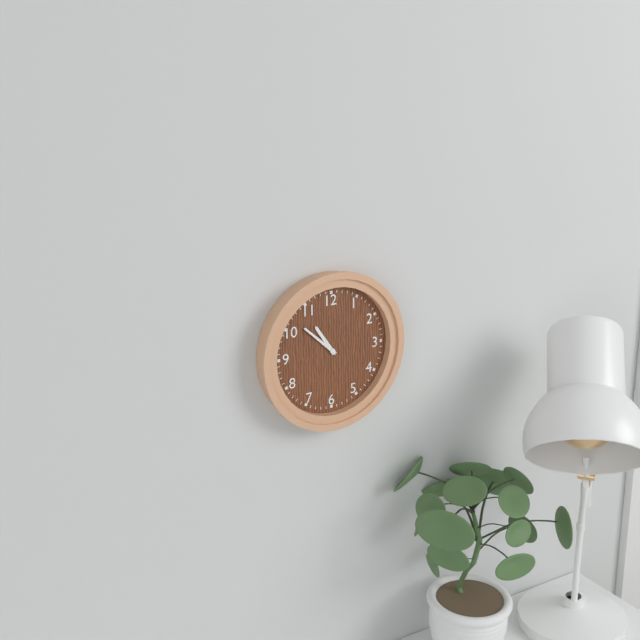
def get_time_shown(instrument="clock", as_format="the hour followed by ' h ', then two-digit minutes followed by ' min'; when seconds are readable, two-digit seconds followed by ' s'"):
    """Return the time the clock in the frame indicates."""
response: 10 h 52 min
